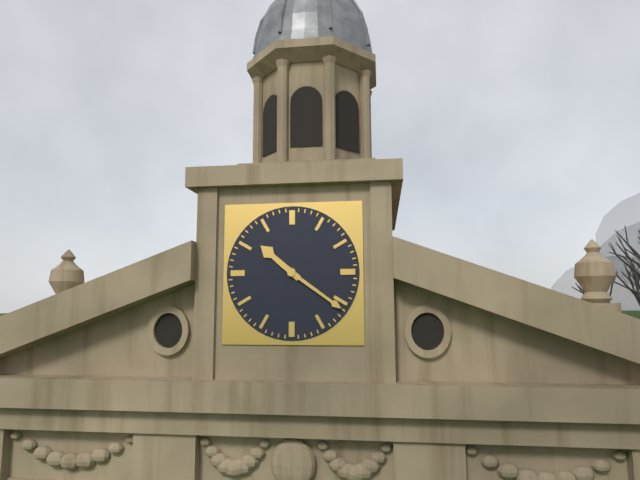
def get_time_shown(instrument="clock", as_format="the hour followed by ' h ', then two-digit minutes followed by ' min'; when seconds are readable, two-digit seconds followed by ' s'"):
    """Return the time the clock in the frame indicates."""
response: 10 h 21 min
